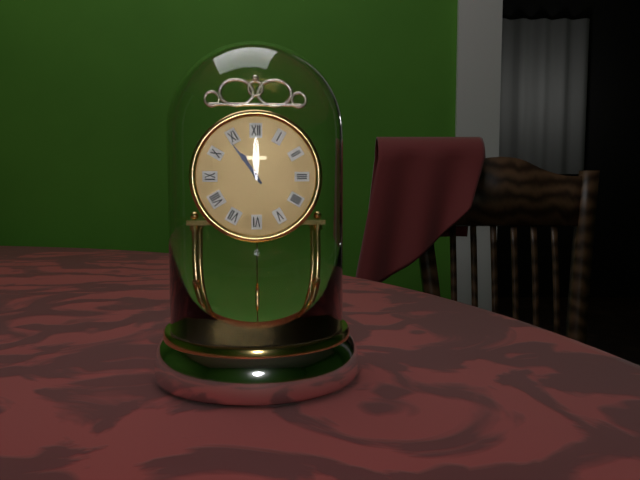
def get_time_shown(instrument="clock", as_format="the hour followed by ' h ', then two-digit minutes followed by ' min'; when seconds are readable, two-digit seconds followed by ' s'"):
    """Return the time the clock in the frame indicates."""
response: 10 h 54 min
